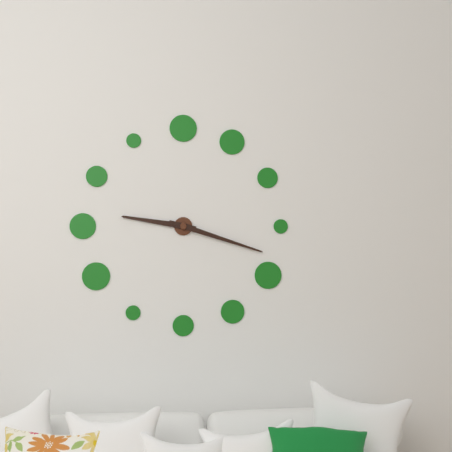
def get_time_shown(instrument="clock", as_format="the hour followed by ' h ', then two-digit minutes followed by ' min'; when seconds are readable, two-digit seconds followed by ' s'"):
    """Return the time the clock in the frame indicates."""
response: 9 h 18 min
